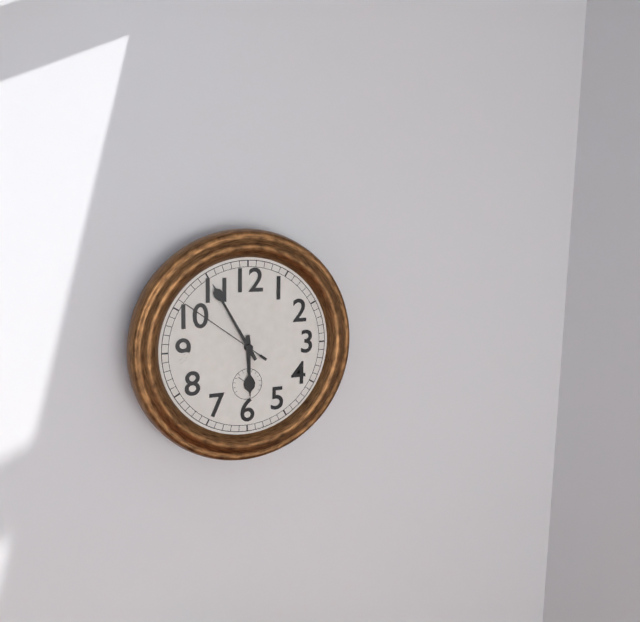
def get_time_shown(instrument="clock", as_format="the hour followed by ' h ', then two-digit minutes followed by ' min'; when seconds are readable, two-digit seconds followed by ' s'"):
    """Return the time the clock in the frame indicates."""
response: 5 h 55 min 51 s
